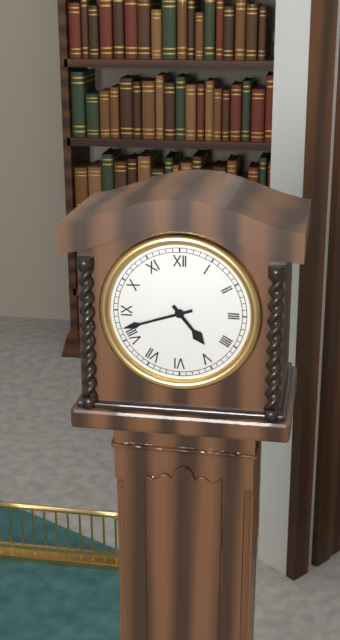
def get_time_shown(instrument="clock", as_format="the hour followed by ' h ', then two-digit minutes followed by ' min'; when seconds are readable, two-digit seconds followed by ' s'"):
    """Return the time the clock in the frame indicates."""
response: 4 h 42 min
